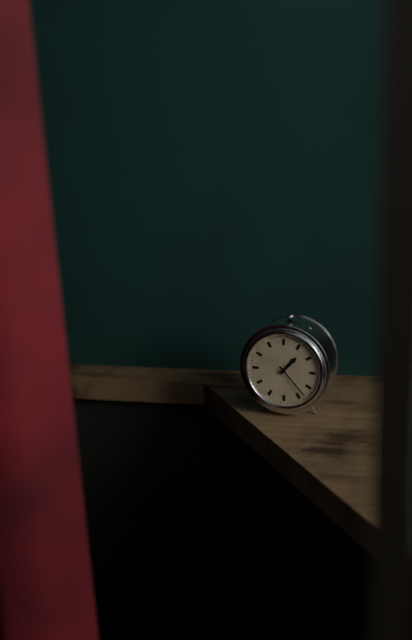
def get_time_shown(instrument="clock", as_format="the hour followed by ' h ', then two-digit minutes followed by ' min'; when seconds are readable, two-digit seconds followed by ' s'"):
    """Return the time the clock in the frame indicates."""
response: 1 h 23 min
